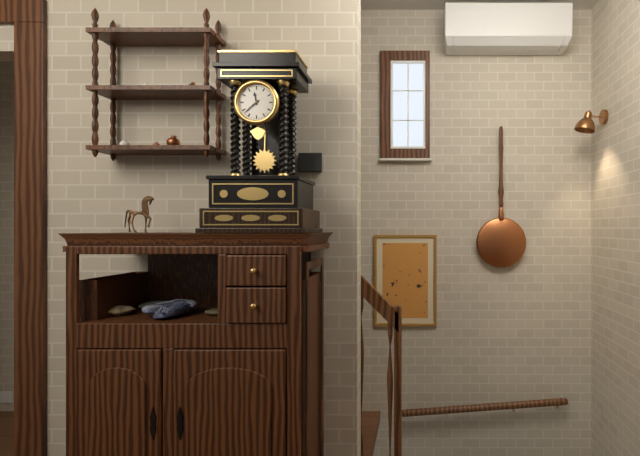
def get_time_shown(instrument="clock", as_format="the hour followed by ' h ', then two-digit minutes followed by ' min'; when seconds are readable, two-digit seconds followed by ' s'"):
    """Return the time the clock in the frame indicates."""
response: 11 h 38 min
